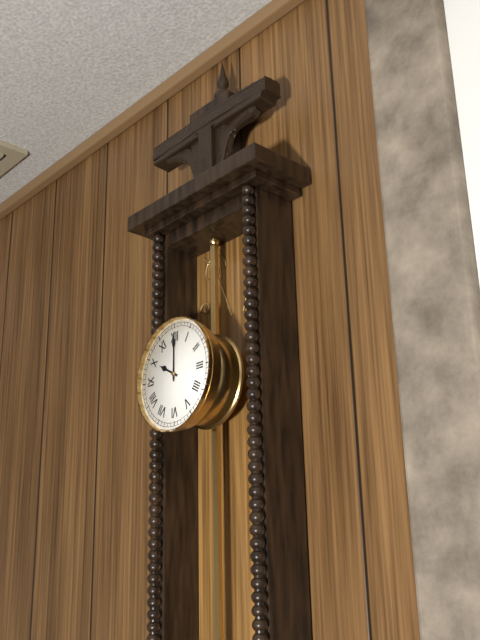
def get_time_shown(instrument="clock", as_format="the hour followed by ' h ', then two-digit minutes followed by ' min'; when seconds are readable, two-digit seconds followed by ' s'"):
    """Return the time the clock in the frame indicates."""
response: 10 h 00 min
